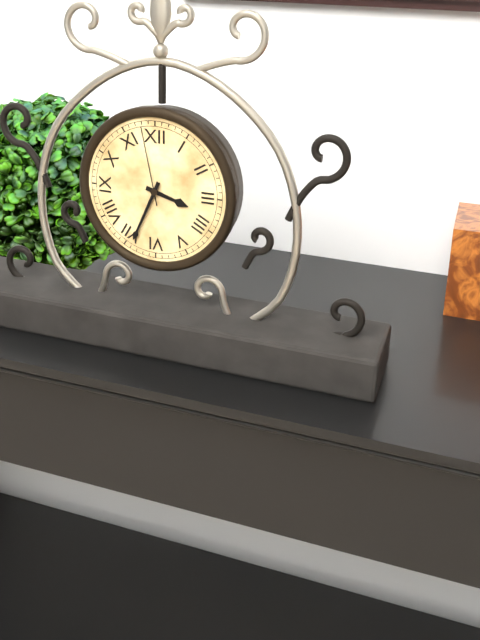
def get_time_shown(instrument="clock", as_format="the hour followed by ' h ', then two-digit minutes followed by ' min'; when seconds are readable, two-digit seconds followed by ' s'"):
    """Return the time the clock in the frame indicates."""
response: 3 h 34 min 58 s
